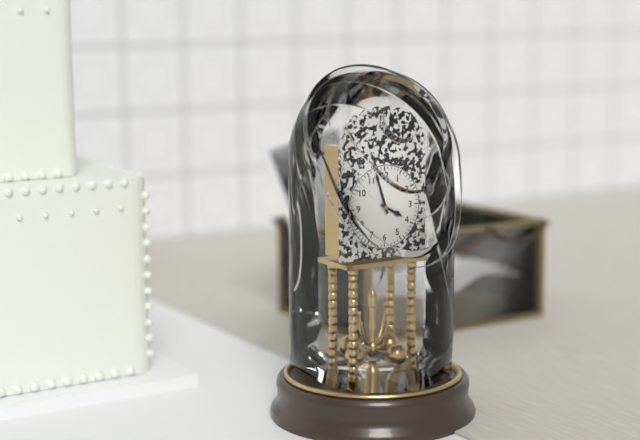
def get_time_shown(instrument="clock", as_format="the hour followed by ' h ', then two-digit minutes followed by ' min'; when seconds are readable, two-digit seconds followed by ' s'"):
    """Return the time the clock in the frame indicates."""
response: 3 h 57 min
